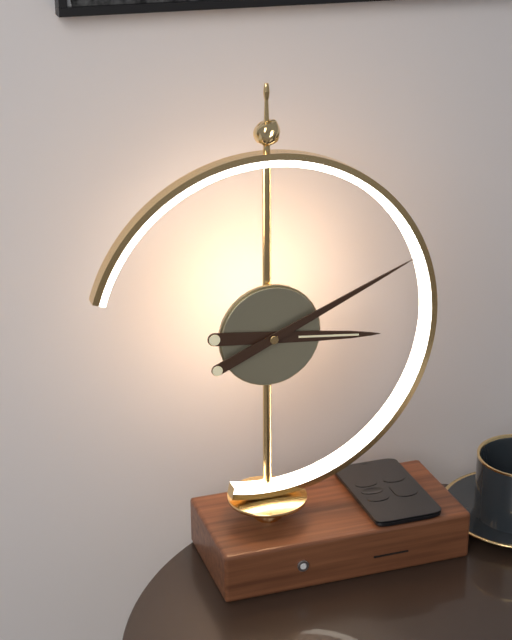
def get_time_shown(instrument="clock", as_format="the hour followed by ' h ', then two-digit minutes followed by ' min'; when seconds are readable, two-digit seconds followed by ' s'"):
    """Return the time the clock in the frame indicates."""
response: 3 h 11 min
